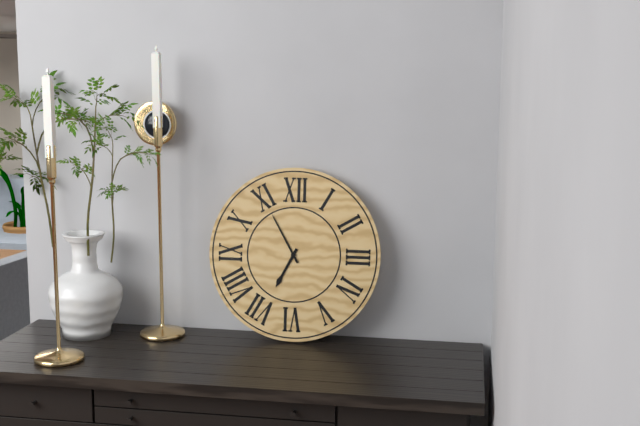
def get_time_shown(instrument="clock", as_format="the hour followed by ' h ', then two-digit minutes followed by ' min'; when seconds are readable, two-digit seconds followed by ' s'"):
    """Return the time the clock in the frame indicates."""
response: 6 h 55 min
